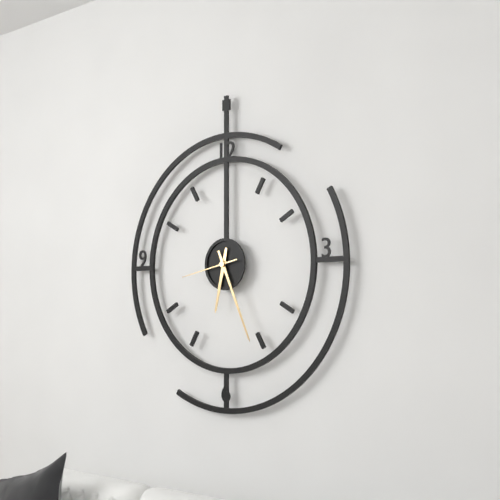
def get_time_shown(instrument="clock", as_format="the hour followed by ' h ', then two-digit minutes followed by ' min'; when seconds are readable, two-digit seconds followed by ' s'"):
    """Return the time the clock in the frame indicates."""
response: 6 h 26 min 43 s
